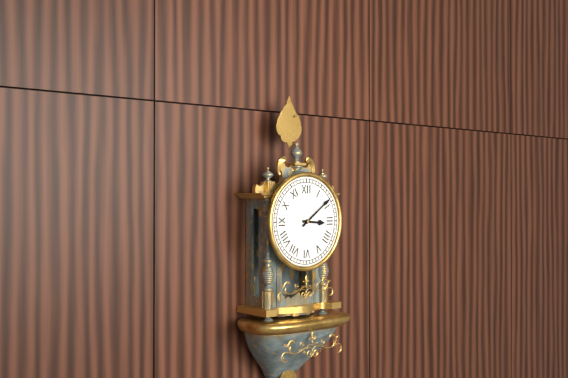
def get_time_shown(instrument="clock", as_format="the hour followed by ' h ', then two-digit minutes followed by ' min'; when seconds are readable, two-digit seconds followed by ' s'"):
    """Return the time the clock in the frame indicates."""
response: 3 h 09 min
